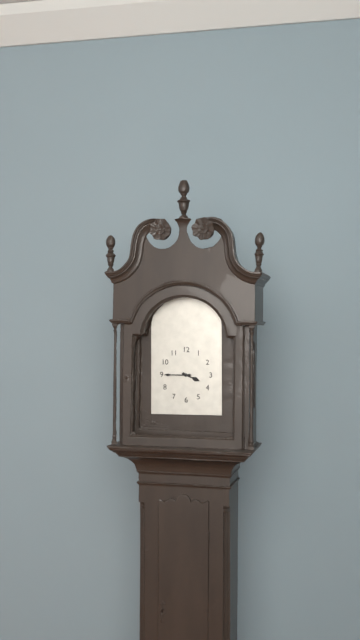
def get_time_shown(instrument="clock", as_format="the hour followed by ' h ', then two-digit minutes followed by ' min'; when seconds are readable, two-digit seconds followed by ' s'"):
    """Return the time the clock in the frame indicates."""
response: 3 h 45 min
